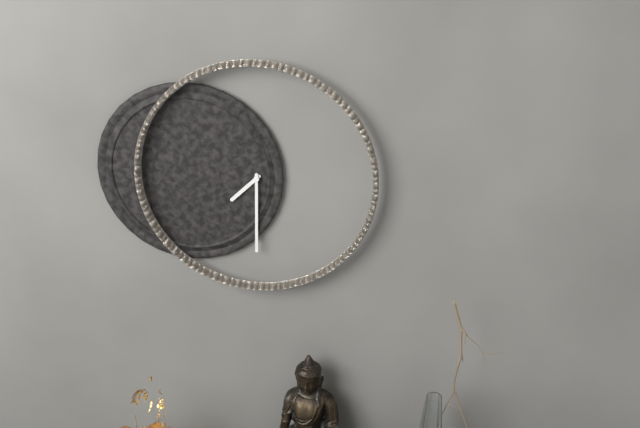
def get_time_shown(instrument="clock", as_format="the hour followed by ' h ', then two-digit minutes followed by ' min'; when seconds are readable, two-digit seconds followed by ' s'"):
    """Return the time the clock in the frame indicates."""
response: 7 h 30 min
